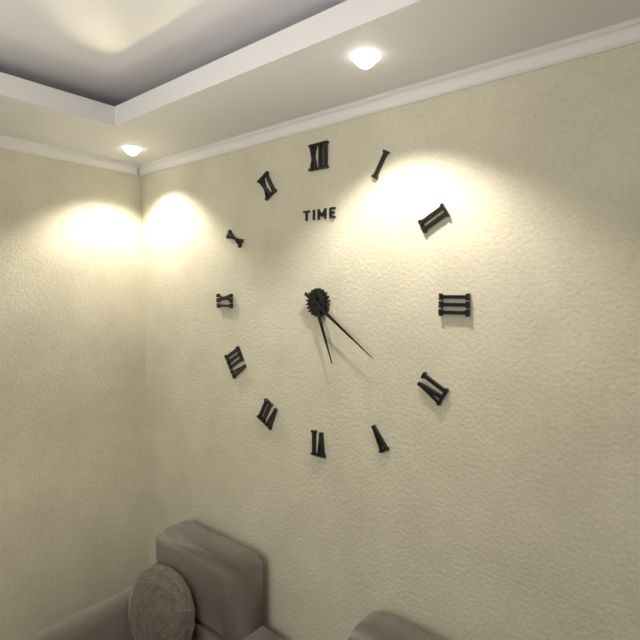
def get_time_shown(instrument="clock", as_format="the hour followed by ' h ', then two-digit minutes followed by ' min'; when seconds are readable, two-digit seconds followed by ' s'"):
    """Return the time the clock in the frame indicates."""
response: 5 h 21 min
